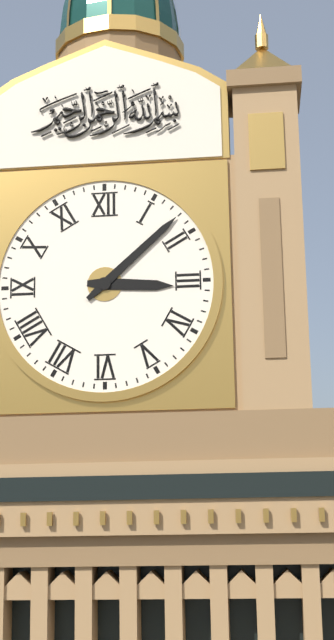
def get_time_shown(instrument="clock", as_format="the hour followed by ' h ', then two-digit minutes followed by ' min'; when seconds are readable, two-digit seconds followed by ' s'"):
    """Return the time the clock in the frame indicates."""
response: 3 h 08 min
